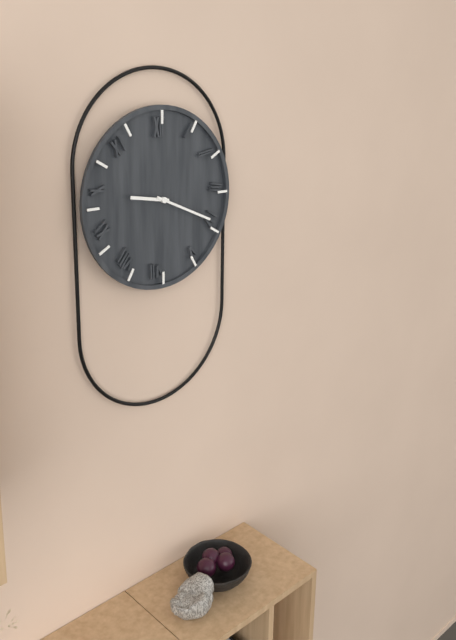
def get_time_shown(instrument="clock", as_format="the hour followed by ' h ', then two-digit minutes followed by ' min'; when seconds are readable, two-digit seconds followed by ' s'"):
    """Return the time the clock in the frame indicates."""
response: 9 h 19 min
